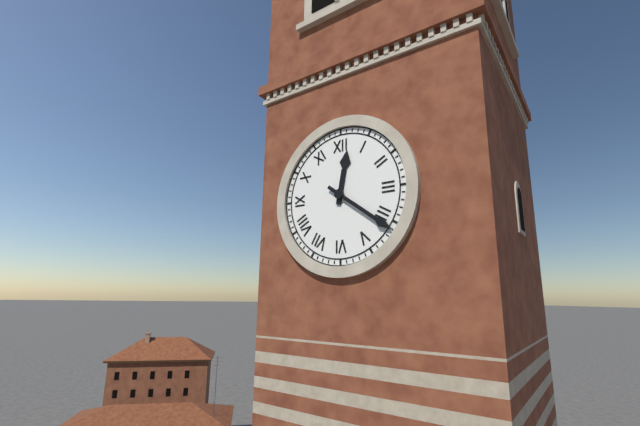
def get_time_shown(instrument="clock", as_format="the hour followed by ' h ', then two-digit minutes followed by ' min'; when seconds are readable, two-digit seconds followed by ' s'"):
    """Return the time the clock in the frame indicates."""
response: 12 h 21 min
